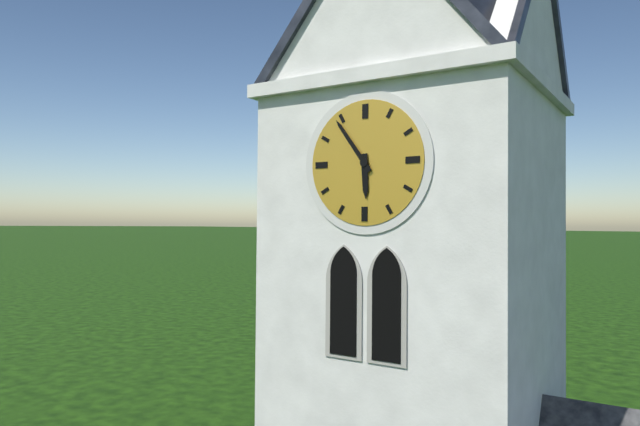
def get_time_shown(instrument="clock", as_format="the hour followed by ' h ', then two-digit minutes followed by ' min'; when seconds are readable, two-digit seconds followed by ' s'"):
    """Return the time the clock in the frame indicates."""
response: 5 h 54 min
